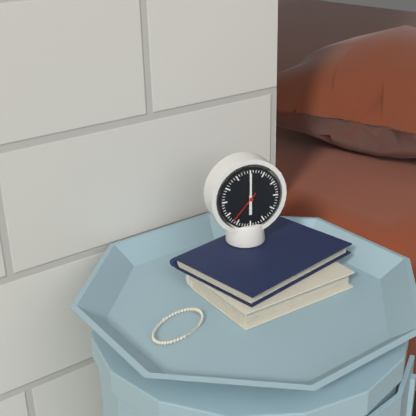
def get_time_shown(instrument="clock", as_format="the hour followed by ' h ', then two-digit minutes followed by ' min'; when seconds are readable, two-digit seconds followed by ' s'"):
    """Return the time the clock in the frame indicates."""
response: 6 h 00 min
